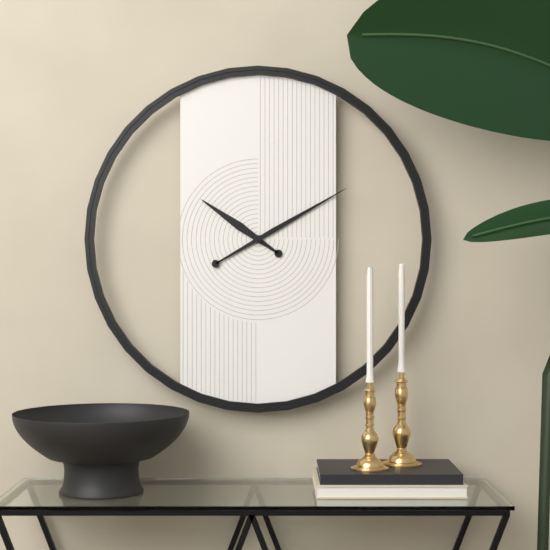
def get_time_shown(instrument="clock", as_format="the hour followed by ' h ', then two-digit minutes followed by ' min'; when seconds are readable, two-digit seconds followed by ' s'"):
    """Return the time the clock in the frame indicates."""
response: 10 h 10 min
